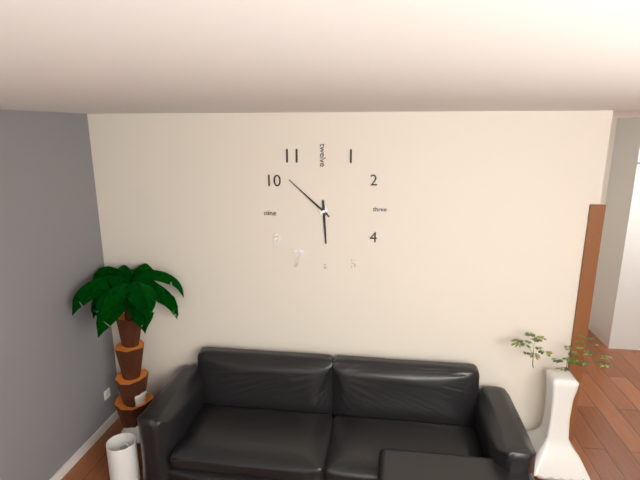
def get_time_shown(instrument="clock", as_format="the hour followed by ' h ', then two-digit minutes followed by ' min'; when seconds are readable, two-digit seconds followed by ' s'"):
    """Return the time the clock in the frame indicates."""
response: 5 h 52 min
